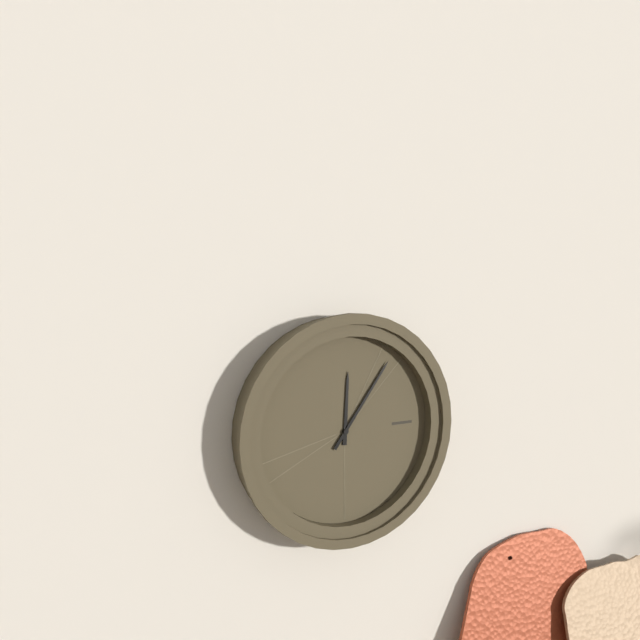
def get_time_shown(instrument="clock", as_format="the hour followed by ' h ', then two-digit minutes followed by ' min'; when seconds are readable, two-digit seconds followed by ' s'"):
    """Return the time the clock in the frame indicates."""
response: 12 h 06 min
